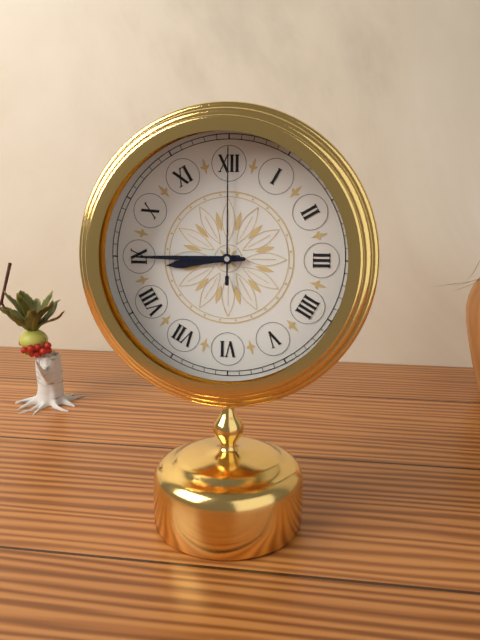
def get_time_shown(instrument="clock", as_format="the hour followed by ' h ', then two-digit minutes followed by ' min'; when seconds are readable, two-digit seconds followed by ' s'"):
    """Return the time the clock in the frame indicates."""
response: 8 h 45 min 00 s
